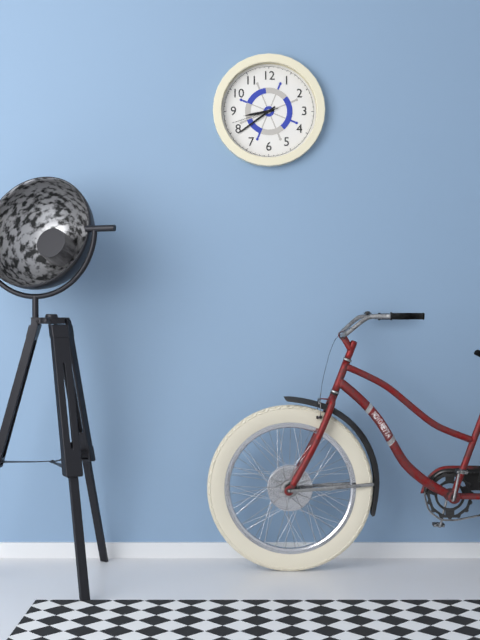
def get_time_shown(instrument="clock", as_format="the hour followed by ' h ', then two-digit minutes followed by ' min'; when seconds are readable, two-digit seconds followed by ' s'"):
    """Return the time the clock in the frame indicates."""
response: 8 h 39 min
